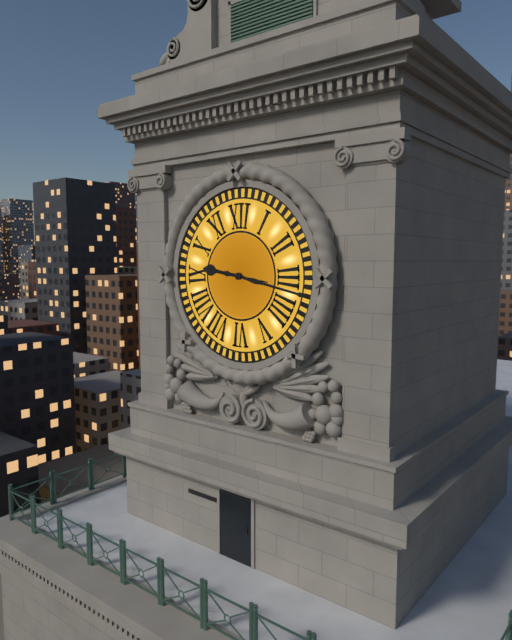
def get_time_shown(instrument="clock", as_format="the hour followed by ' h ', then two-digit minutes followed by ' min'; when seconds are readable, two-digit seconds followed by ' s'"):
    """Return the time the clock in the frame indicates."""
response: 9 h 17 min
